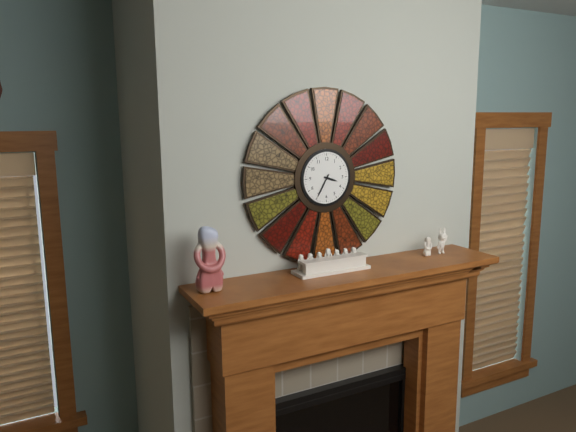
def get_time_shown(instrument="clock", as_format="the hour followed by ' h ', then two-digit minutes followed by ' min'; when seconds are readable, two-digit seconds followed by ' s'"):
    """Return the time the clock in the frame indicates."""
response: 3 h 35 min
